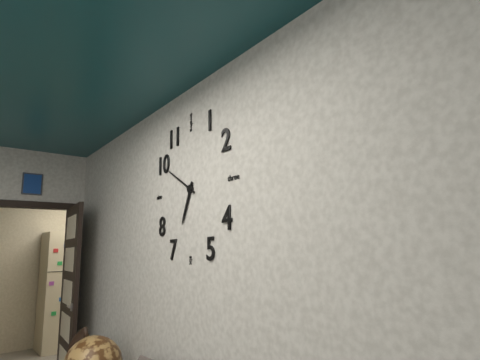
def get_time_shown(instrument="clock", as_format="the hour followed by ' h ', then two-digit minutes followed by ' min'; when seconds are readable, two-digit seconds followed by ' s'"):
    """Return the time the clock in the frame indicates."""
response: 6 h 50 min
